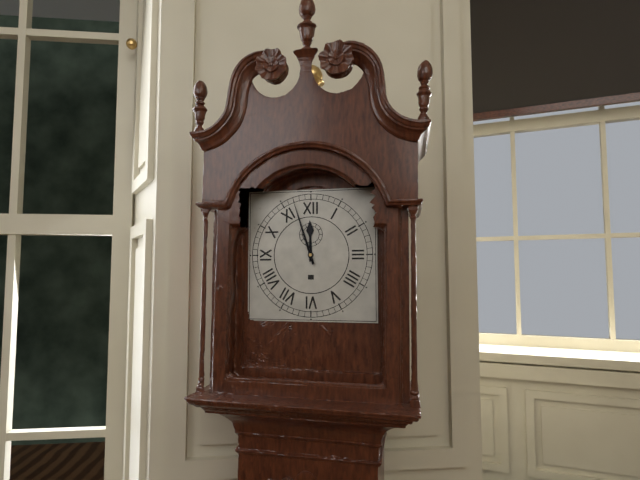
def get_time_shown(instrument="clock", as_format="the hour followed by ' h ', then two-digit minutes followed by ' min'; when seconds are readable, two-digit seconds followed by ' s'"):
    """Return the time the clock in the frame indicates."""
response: 11 h 57 min
